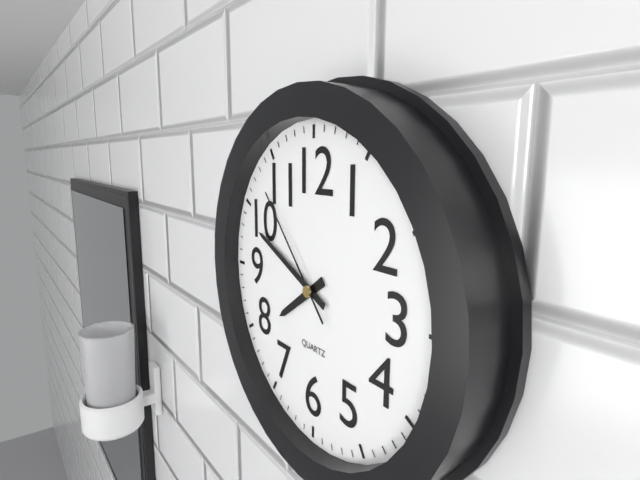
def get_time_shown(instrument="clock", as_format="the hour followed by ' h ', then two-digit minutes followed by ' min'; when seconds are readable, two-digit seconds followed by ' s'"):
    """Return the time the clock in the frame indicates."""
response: 7 h 49 min 53 s
